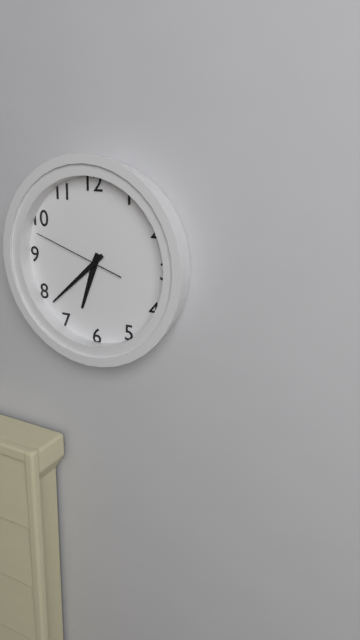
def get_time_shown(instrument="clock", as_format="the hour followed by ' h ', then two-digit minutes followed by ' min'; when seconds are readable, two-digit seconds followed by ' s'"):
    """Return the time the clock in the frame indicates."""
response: 6 h 38 min 48 s
